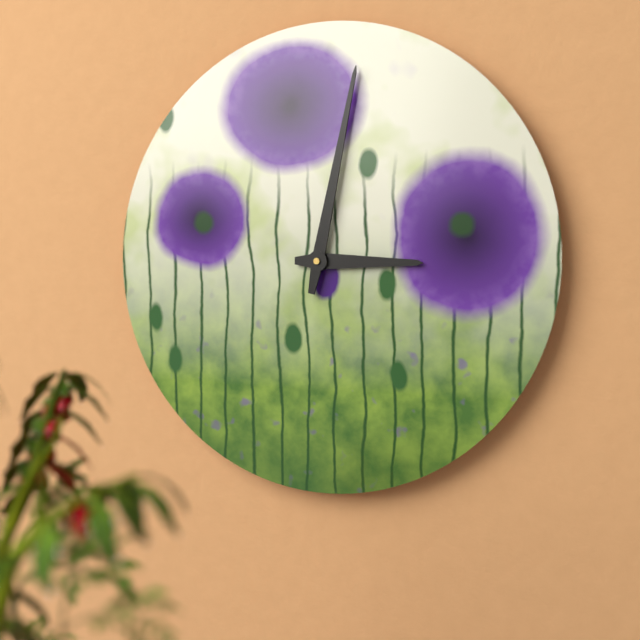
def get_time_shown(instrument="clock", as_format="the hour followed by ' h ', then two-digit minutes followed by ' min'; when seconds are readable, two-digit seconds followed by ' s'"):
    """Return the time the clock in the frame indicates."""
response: 3 h 02 min
